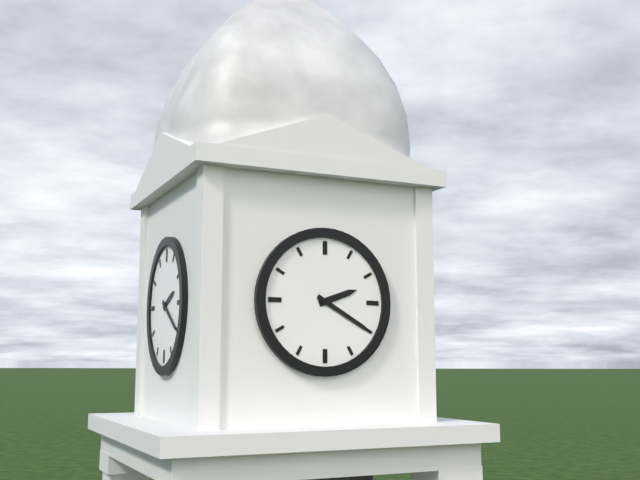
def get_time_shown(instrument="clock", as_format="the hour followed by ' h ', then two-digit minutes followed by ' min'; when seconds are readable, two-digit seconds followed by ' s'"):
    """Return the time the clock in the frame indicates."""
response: 2 h 20 min
